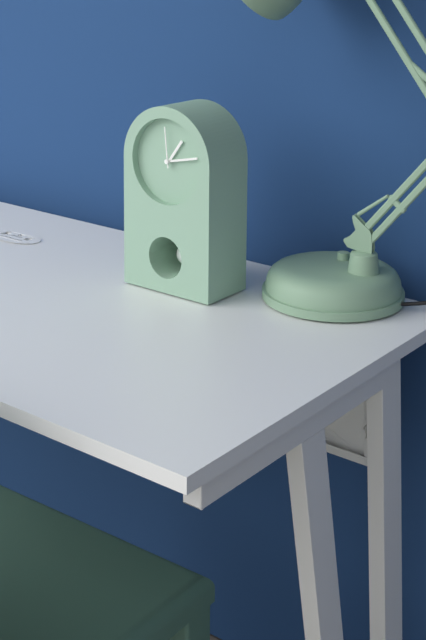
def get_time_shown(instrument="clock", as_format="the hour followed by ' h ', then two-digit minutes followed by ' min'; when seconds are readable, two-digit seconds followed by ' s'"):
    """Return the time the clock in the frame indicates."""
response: 1 h 13 min
